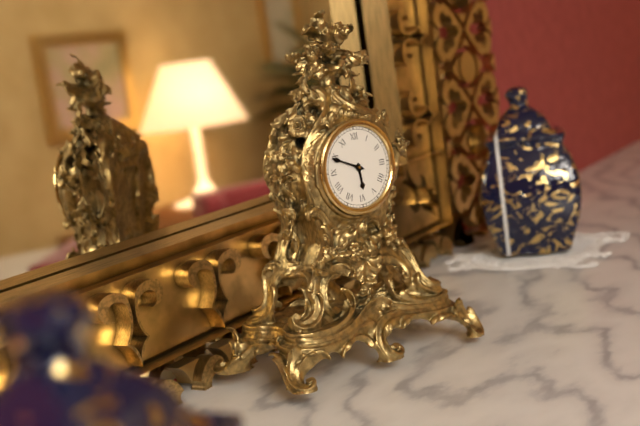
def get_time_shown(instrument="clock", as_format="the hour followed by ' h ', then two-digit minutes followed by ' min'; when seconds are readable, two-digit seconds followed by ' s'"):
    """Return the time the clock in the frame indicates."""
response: 5 h 49 min
